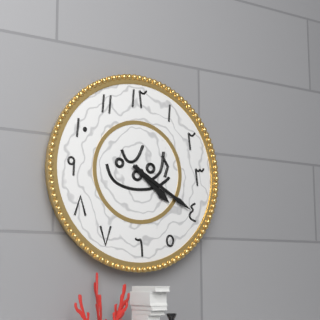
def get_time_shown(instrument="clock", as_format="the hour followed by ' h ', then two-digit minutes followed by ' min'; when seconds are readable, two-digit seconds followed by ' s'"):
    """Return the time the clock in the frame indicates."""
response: 4 h 20 min
